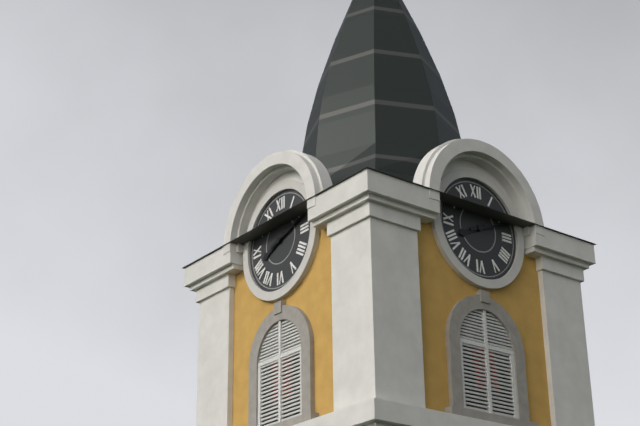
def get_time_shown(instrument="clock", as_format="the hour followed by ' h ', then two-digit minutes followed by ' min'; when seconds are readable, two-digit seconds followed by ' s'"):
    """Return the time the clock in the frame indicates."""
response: 8 h 12 min
